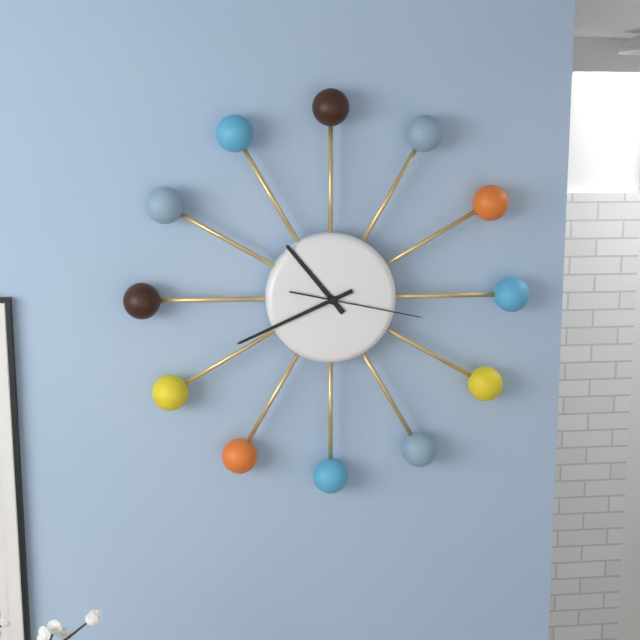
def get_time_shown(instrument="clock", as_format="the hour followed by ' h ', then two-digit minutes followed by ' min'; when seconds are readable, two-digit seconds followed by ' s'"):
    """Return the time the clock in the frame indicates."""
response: 10 h 41 min 17 s
